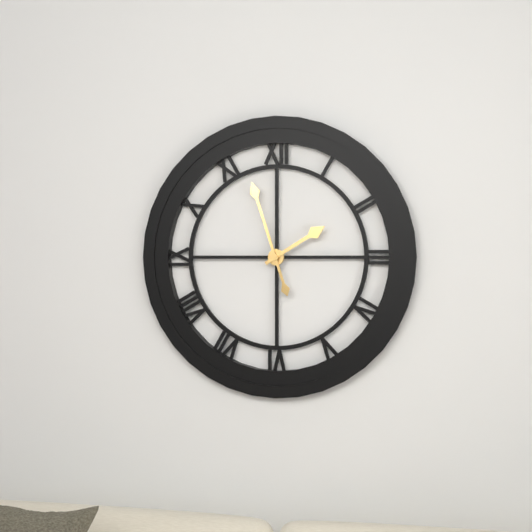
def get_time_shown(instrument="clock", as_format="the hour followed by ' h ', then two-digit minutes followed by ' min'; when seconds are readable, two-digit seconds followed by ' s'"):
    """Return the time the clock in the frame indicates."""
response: 1 h 57 min
